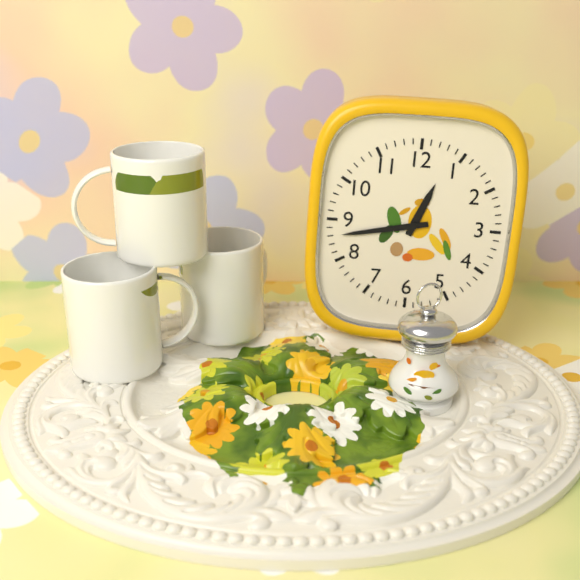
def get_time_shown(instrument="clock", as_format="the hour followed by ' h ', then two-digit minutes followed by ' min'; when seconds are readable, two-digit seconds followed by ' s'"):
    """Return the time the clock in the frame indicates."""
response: 12 h 43 min
